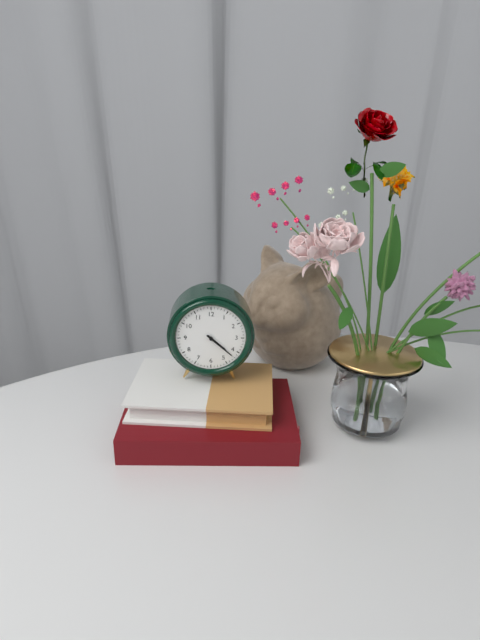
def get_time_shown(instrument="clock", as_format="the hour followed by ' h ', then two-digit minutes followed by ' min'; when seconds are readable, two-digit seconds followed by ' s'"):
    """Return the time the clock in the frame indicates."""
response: 4 h 22 min
